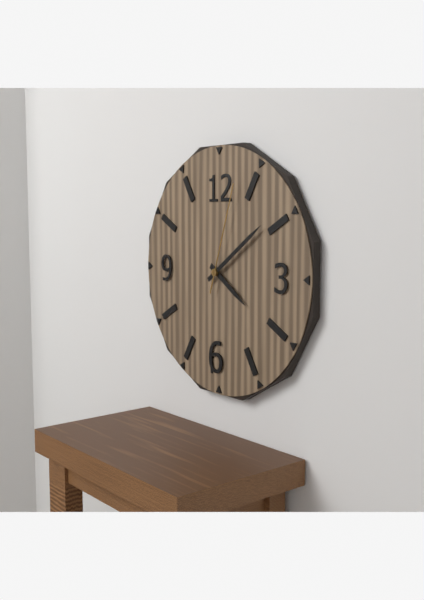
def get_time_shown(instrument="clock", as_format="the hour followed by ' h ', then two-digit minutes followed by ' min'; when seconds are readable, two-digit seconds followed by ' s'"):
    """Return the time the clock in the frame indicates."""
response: 4 h 09 min 03 s
